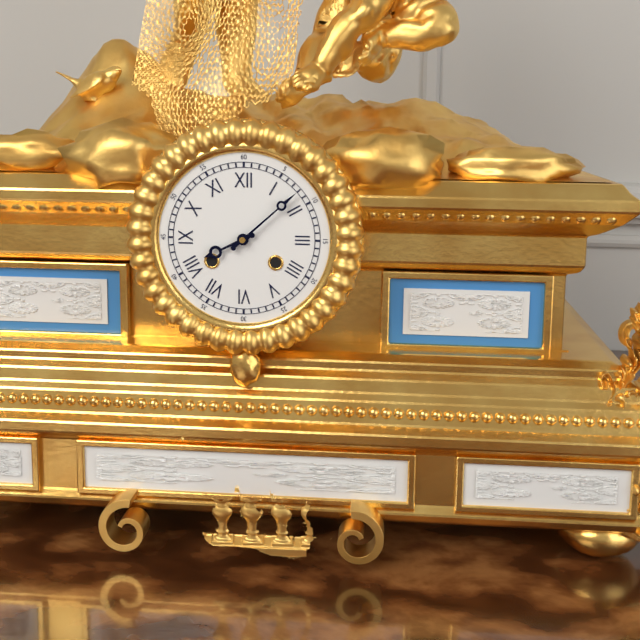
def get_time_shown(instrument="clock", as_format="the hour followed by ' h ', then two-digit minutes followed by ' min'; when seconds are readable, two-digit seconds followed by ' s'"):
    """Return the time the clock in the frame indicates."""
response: 8 h 08 min
